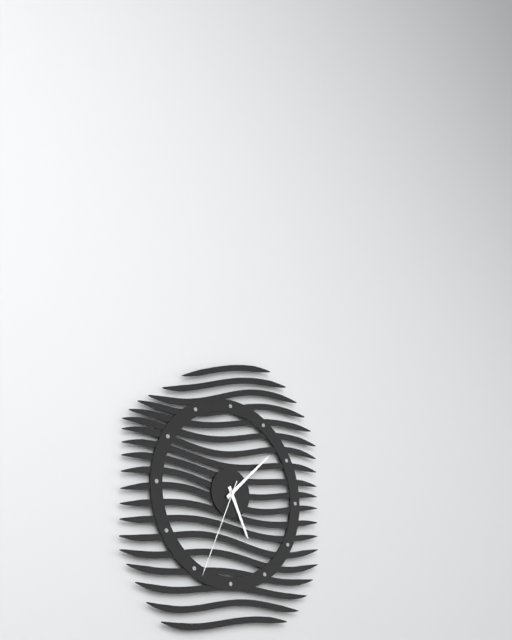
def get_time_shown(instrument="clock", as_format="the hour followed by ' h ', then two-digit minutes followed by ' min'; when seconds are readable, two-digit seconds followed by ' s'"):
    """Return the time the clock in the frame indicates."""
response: 5 h 08 min 34 s
